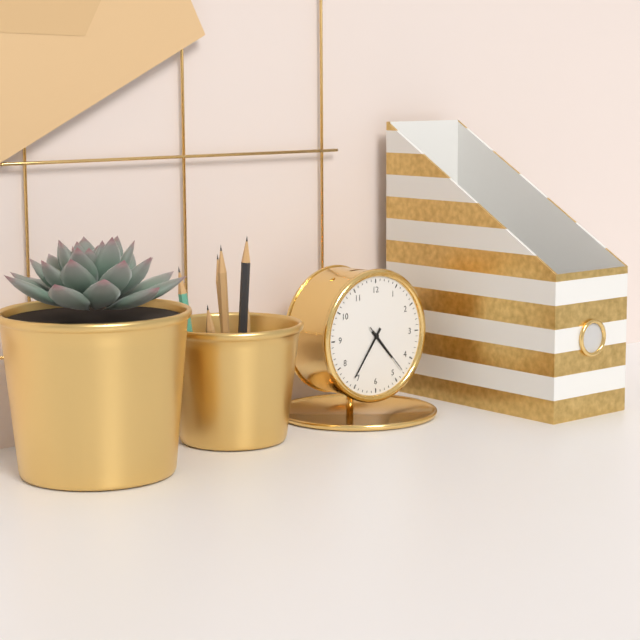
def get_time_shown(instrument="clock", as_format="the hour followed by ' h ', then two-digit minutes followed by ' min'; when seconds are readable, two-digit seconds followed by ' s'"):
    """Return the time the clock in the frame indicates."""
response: 4 h 36 min 23 s
